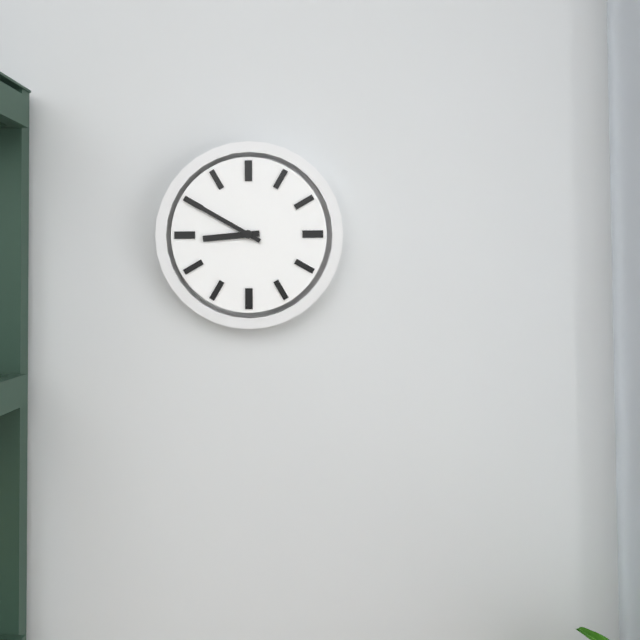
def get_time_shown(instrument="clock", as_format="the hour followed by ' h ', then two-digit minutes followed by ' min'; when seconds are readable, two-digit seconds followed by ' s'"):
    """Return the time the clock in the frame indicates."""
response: 8 h 50 min
